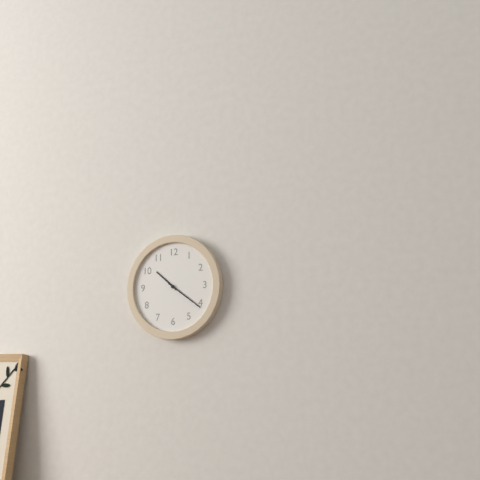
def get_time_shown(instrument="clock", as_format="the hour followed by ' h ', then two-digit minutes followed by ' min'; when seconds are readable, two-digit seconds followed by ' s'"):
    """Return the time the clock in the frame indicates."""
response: 10 h 21 min
